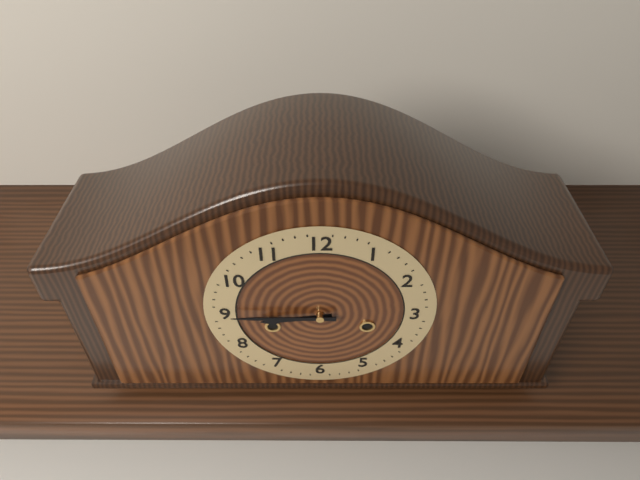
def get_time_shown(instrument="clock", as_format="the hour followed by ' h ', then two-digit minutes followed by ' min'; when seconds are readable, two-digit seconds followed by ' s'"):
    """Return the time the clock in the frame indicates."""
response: 8 h 45 min
